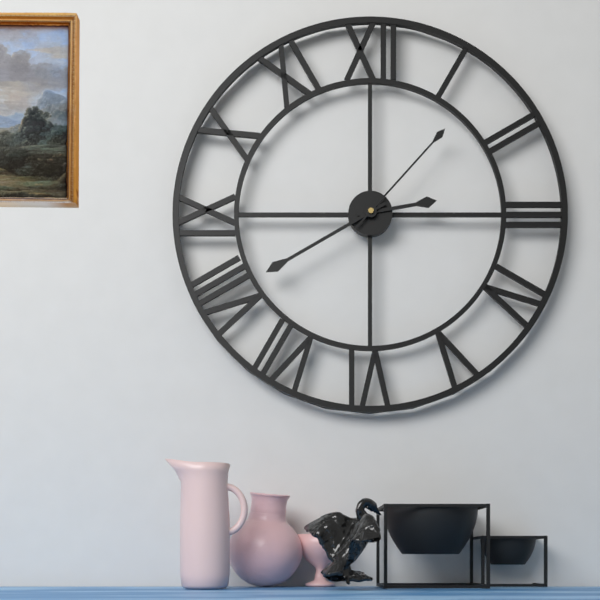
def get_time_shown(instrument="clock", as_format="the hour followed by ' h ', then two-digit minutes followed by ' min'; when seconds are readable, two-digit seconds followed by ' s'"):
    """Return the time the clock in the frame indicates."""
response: 2 h 40 min 07 s
